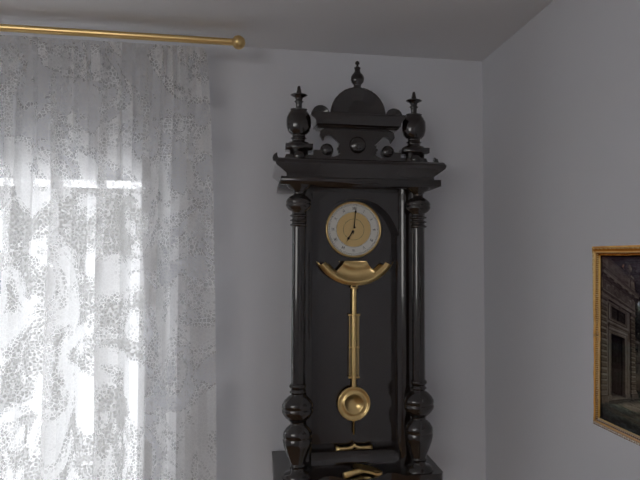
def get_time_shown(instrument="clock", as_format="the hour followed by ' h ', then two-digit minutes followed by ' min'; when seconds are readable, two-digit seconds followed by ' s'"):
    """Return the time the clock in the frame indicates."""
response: 7 h 01 min
